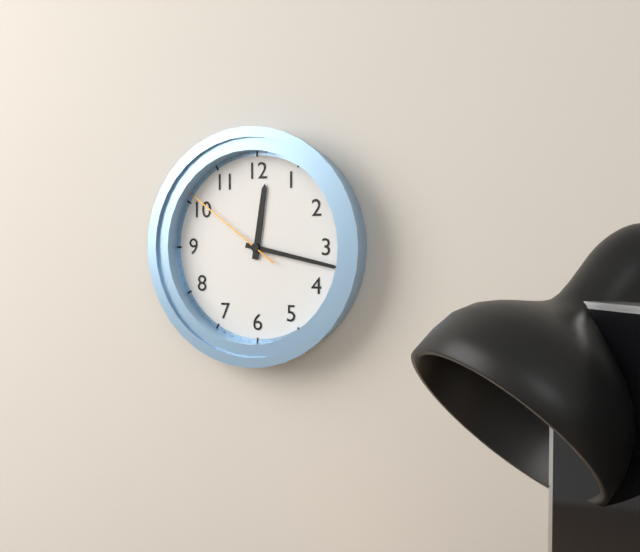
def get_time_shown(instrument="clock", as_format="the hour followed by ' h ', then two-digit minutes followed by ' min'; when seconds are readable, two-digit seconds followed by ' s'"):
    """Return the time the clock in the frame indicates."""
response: 12 h 17 min 51 s
